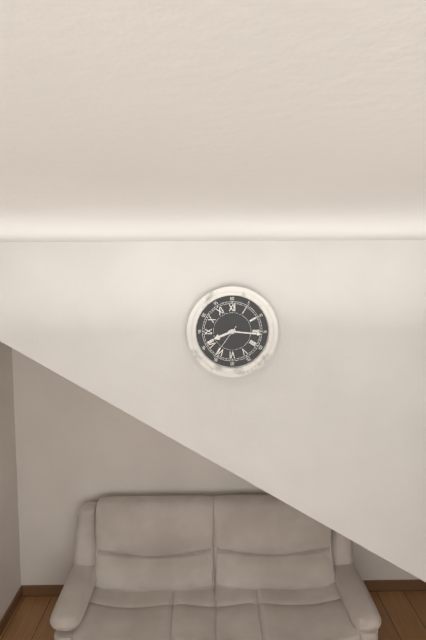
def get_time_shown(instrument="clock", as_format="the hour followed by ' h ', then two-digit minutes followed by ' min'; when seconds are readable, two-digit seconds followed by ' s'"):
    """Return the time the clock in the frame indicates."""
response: 8 h 16 min
